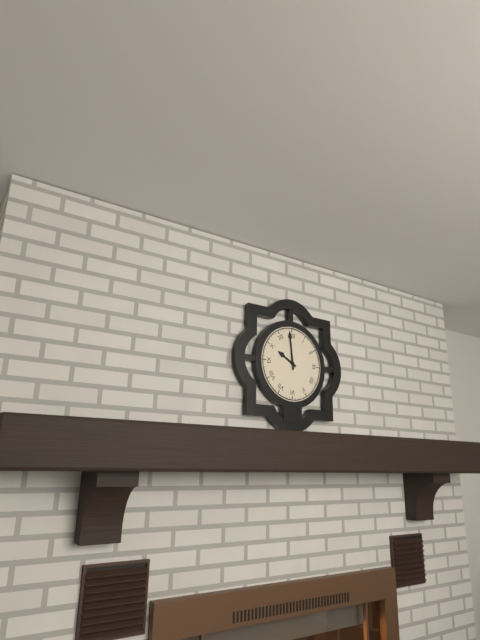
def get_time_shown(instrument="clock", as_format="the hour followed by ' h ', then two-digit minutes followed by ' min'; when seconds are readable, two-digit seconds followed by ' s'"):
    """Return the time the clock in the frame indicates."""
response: 9 h 59 min
